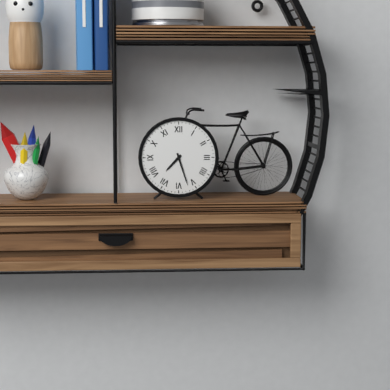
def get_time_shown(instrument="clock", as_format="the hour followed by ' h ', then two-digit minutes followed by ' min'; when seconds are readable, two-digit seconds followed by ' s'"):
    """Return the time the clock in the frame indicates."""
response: 7 h 27 min
